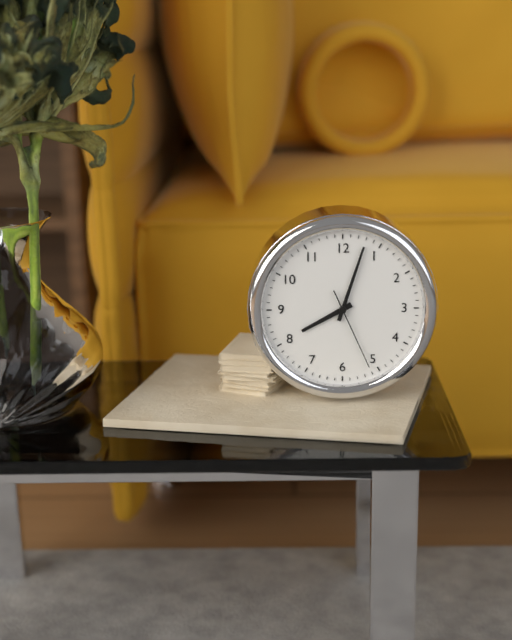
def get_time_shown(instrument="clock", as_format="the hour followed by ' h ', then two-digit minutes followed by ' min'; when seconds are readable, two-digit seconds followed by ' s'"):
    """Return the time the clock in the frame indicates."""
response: 8 h 03 min 26 s
